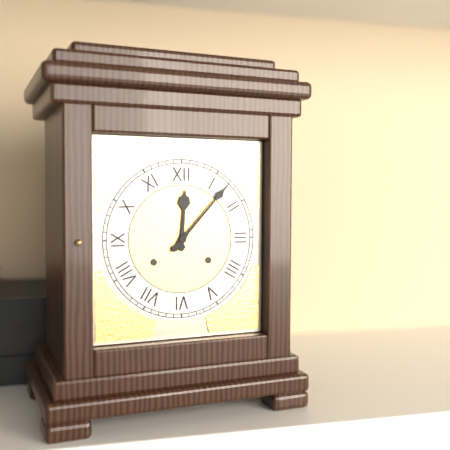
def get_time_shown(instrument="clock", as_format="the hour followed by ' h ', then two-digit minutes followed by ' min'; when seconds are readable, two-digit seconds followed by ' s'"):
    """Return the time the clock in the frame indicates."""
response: 12 h 07 min
